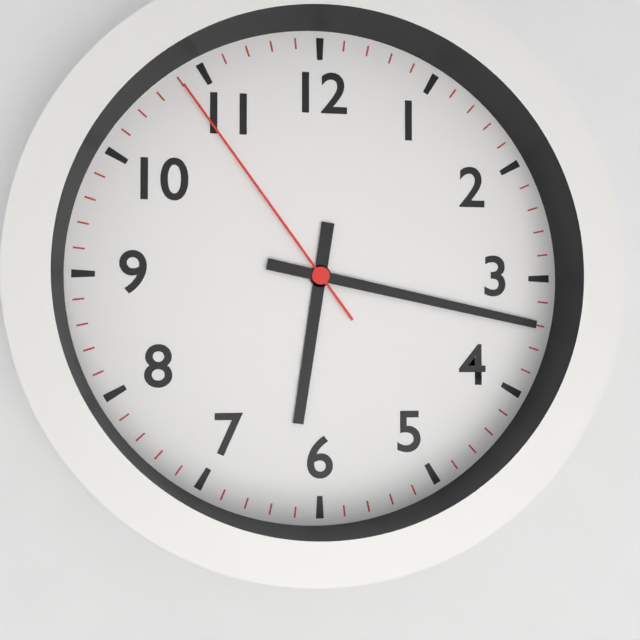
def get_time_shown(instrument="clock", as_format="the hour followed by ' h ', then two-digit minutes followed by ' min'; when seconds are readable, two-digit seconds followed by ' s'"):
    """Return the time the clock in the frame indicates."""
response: 6 h 17 min 54 s
